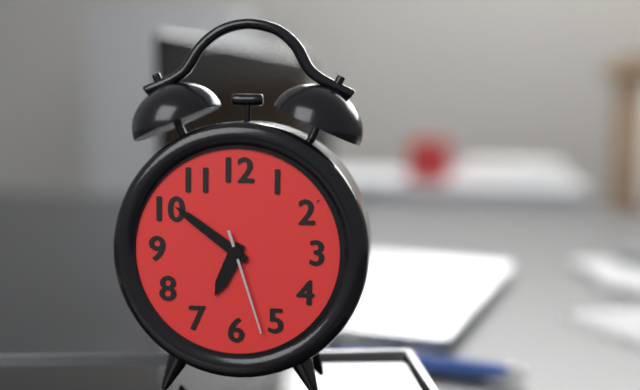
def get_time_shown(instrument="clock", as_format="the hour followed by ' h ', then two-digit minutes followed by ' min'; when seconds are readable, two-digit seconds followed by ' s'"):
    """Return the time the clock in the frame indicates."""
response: 6 h 51 min 27 s
